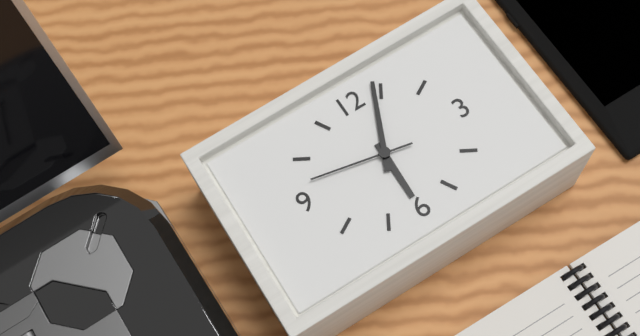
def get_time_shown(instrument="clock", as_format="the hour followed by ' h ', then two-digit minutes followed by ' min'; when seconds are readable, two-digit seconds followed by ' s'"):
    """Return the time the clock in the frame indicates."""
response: 6 h 04 min 47 s
